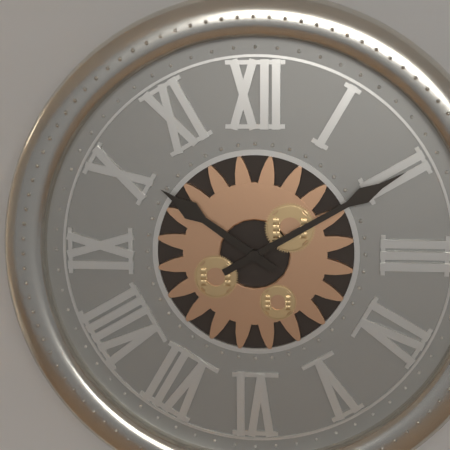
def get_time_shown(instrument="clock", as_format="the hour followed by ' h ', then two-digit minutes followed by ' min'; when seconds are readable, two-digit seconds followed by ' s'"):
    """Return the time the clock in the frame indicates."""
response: 10 h 10 min
